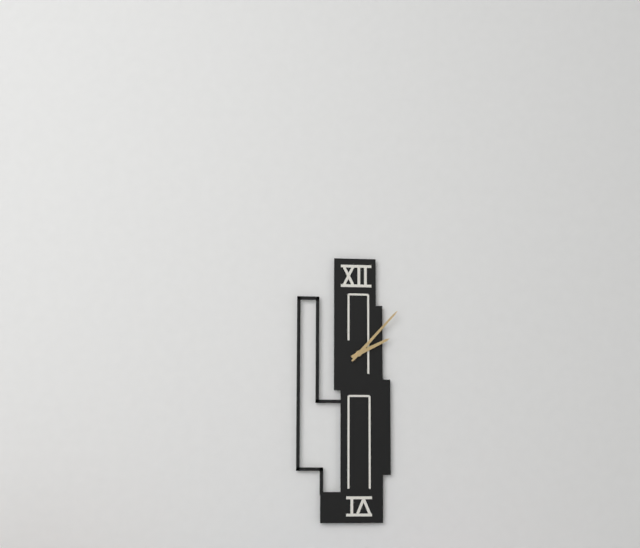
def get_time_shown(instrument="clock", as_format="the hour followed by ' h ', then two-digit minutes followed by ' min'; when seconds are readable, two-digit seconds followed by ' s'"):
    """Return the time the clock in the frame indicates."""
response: 2 h 07 min
